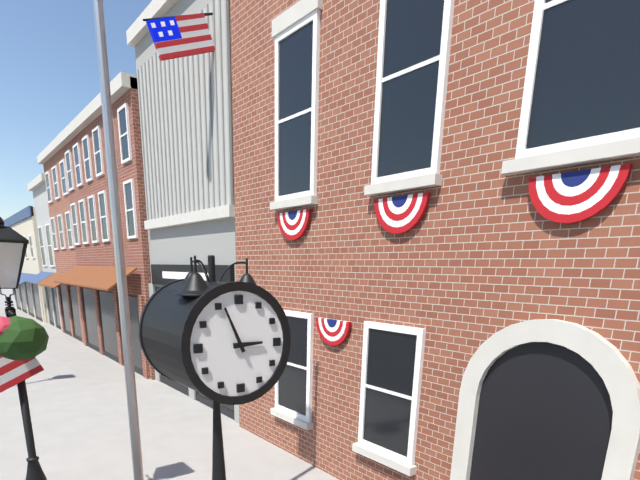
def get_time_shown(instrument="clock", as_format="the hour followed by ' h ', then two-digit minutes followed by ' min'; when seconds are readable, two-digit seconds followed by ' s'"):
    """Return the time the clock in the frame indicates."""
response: 2 h 56 min
